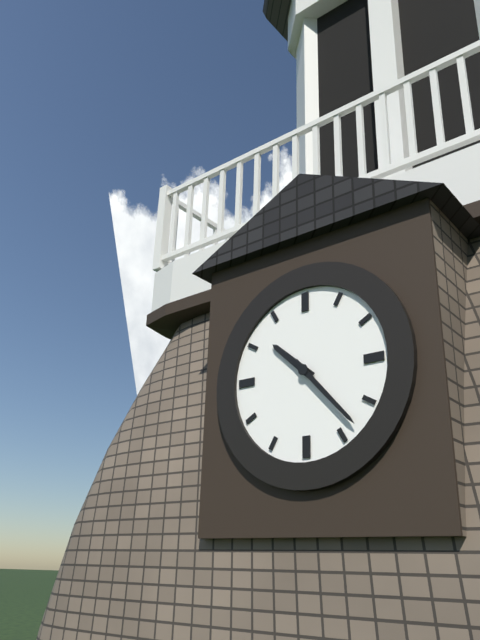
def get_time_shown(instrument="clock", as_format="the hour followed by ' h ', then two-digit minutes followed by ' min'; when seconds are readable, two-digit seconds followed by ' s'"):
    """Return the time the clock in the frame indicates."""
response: 10 h 23 min
